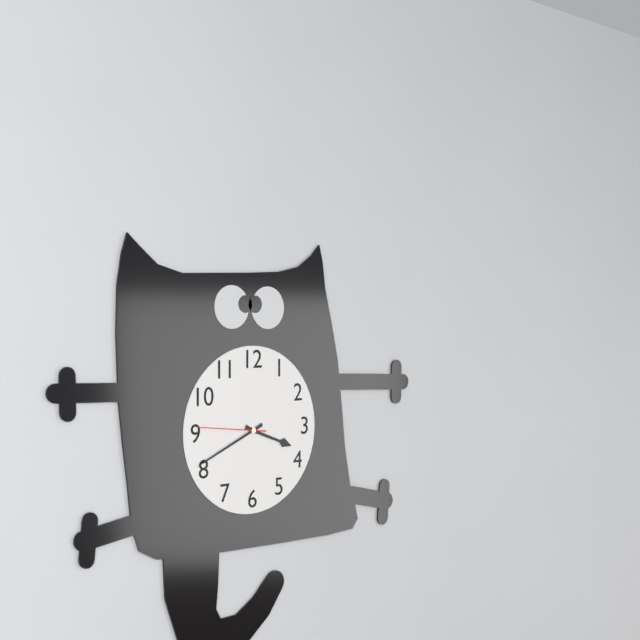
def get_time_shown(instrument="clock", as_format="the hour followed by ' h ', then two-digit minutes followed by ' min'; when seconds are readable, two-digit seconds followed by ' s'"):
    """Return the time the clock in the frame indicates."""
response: 3 h 41 min 46 s
